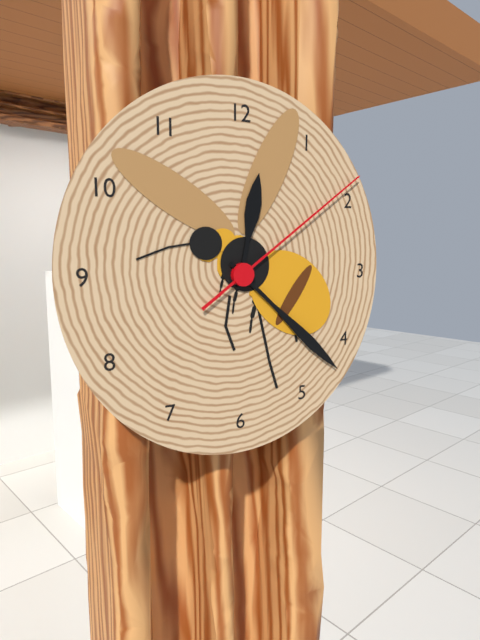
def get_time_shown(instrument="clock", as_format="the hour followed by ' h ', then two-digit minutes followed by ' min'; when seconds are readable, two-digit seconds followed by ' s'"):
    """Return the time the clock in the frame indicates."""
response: 12 h 22 min 09 s
